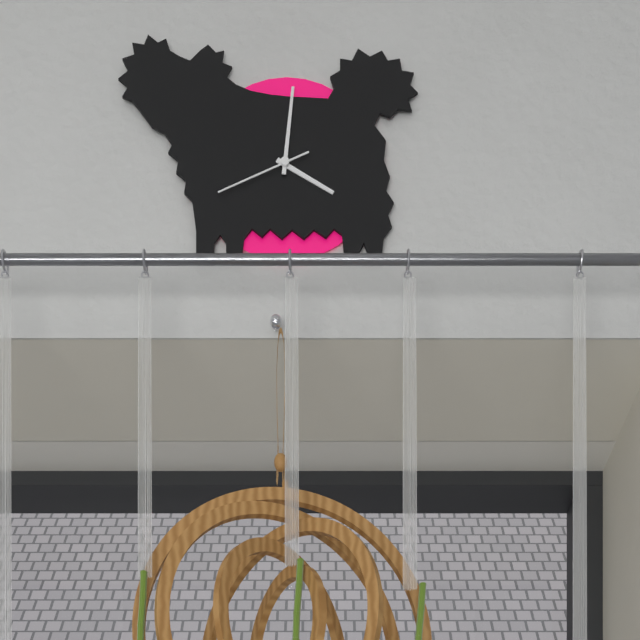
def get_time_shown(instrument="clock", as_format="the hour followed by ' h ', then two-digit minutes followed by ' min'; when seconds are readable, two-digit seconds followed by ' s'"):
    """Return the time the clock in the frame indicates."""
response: 4 h 01 min 41 s
